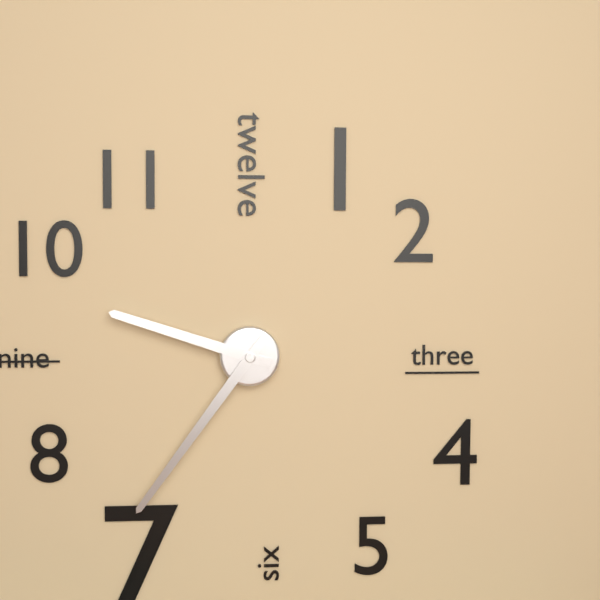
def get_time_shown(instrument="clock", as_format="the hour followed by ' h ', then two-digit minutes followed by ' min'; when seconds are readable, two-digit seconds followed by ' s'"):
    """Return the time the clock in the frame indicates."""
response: 9 h 36 min
